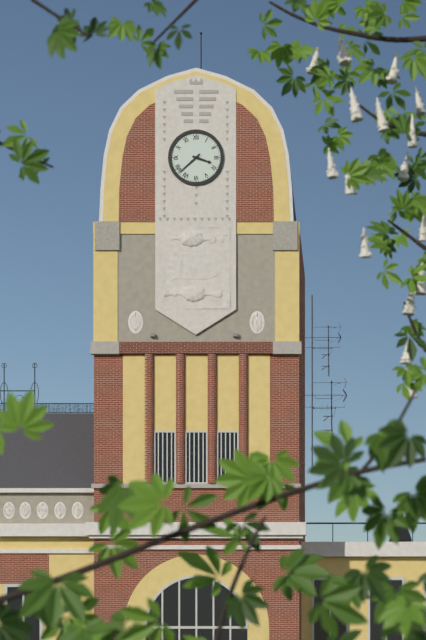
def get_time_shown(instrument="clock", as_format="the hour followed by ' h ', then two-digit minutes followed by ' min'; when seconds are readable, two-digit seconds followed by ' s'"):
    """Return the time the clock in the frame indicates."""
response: 3 h 38 min
